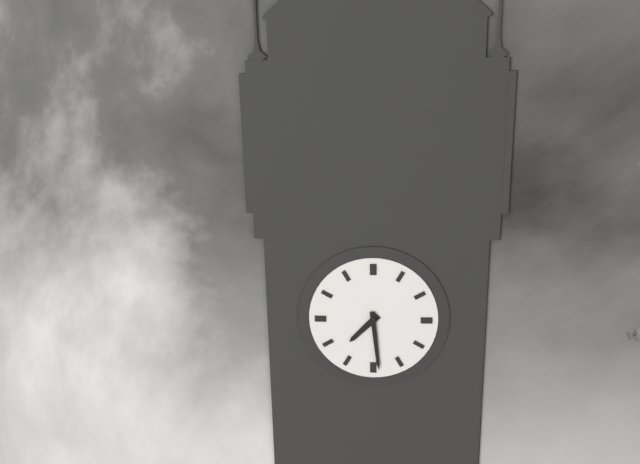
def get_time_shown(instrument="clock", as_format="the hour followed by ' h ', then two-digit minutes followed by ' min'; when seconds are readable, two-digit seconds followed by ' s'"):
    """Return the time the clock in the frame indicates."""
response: 7 h 29 min
